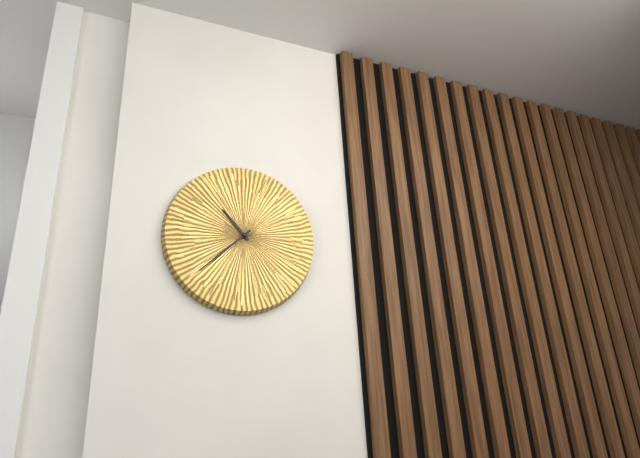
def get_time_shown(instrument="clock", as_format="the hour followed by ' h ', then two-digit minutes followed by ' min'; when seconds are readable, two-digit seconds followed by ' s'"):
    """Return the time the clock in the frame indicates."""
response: 10 h 38 min
